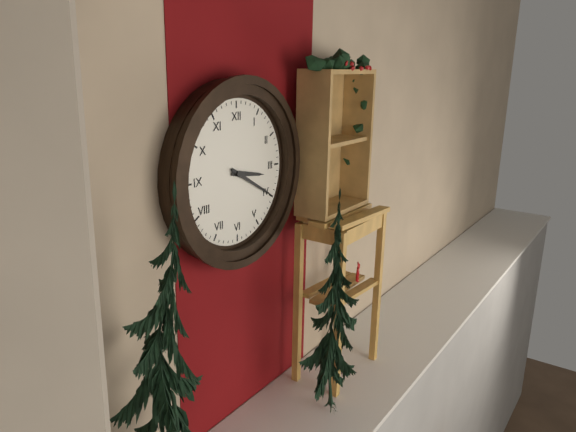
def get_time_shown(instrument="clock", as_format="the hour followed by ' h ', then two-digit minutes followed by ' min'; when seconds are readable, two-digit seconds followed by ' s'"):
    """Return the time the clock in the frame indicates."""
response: 3 h 20 min
